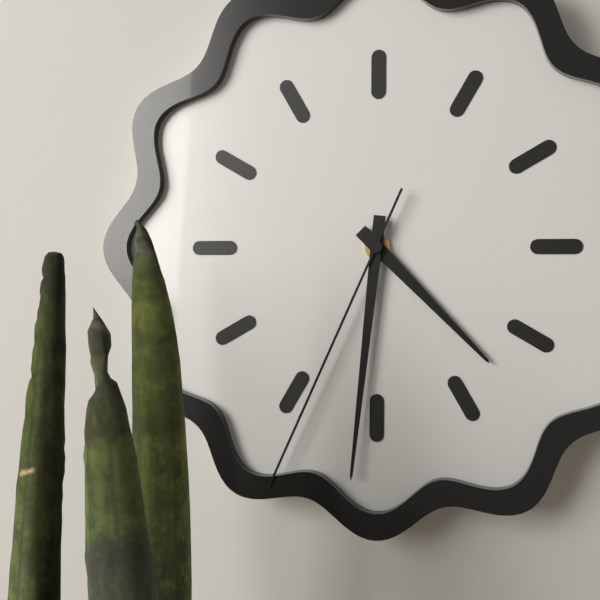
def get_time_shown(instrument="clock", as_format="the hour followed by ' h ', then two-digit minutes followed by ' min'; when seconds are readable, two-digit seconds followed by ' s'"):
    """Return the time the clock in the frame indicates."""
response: 4 h 31 min 34 s
